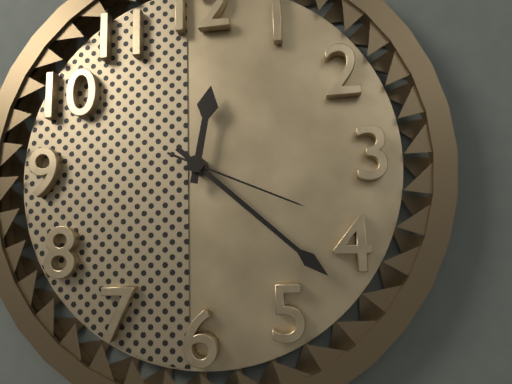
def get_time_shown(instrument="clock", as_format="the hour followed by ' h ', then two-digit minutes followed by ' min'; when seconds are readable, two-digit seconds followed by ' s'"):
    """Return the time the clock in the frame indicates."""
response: 12 h 22 min 19 s
